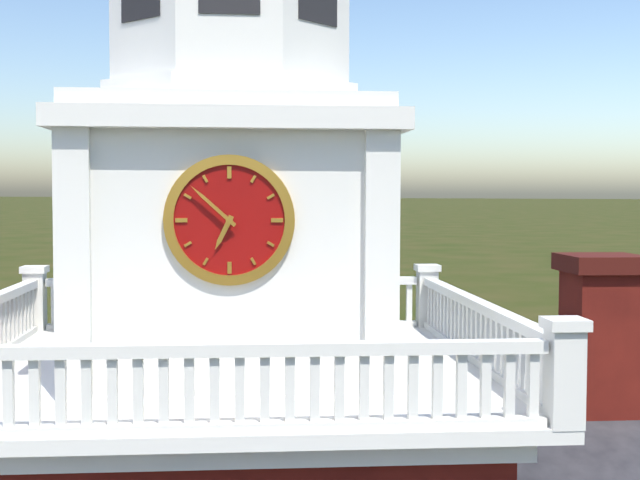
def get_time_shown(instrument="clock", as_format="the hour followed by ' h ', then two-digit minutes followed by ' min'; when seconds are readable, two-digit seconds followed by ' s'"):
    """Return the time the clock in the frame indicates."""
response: 6 h 52 min
